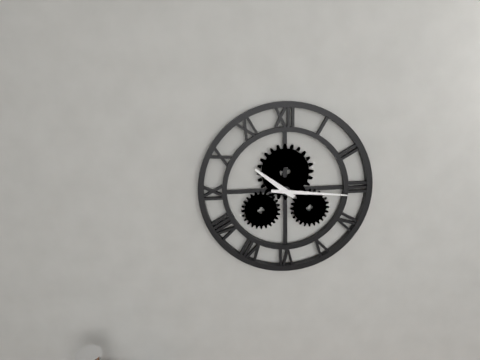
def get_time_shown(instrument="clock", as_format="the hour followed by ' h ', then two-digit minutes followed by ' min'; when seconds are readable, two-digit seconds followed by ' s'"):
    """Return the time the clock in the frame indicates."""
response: 10 h 16 min
